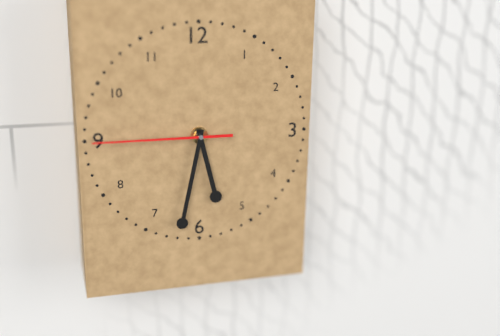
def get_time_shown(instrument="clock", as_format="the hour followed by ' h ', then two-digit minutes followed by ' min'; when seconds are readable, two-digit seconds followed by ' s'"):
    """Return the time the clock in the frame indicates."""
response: 5 h 32 min 45 s
